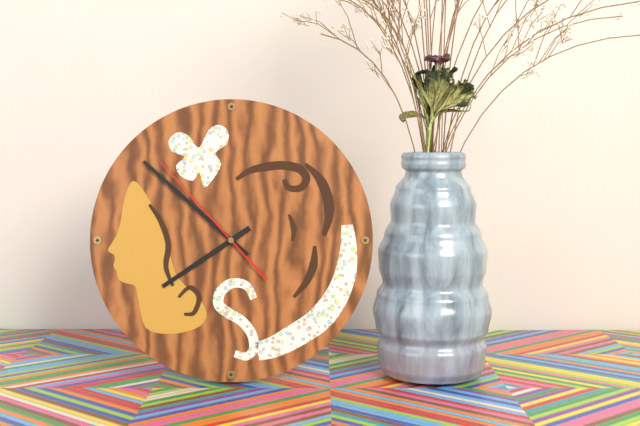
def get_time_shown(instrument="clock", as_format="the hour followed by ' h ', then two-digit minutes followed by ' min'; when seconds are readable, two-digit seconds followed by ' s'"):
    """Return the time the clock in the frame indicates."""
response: 7 h 52 min 53 s
